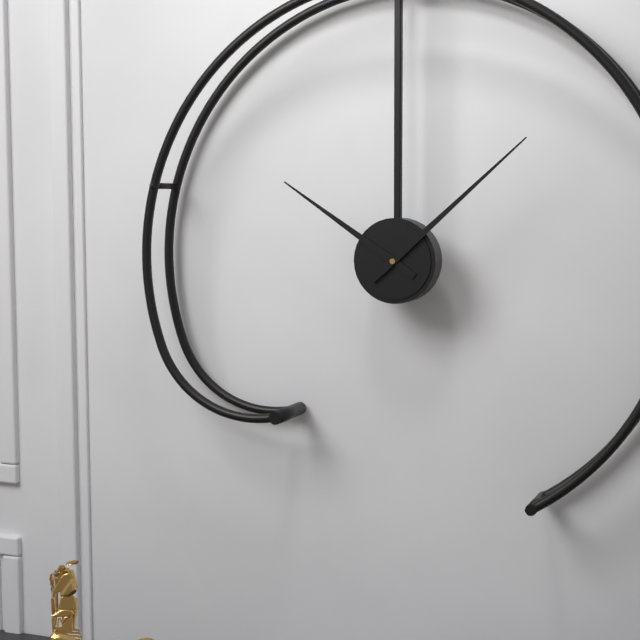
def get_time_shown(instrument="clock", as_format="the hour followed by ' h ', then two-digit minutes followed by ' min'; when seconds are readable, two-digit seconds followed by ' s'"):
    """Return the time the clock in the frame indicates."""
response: 10 h 08 min
